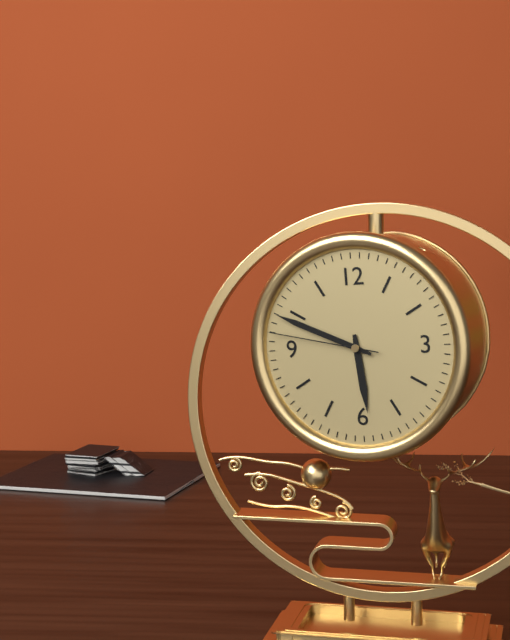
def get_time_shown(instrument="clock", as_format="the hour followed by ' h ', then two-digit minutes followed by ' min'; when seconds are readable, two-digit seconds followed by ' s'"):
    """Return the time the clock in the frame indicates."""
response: 5 h 49 min 47 s
